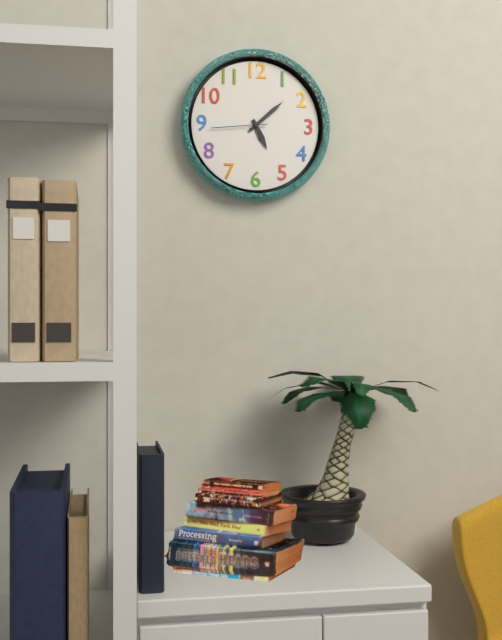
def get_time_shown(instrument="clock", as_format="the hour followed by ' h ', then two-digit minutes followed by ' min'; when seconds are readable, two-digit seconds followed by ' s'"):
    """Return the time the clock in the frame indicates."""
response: 5 h 08 min 44 s
